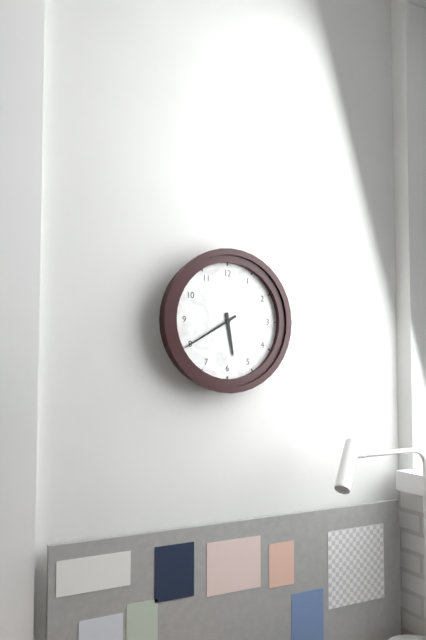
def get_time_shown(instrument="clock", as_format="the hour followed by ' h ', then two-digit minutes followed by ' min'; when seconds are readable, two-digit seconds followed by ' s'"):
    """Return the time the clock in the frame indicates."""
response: 5 h 40 min
